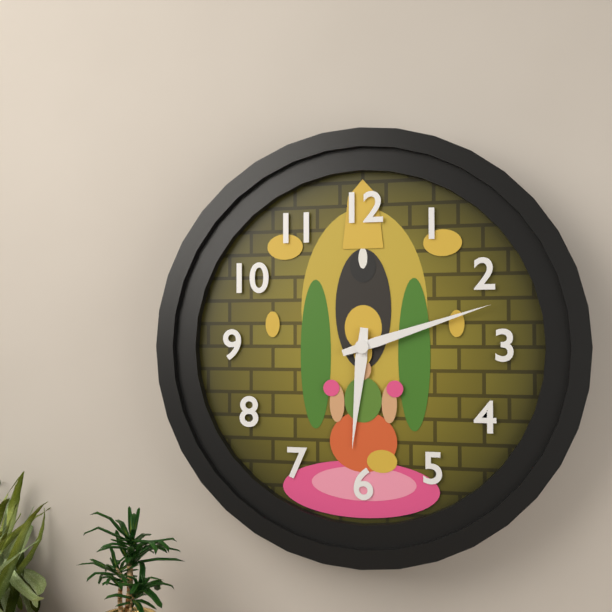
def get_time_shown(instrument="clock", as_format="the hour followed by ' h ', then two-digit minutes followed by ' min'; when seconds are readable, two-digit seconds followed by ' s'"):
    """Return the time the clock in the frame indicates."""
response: 6 h 12 min
